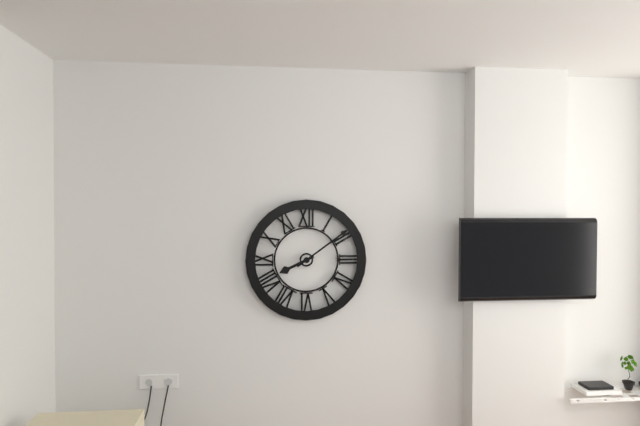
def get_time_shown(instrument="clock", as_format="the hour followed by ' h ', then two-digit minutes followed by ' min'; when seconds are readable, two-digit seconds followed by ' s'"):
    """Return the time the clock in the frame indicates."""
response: 8 h 09 min
